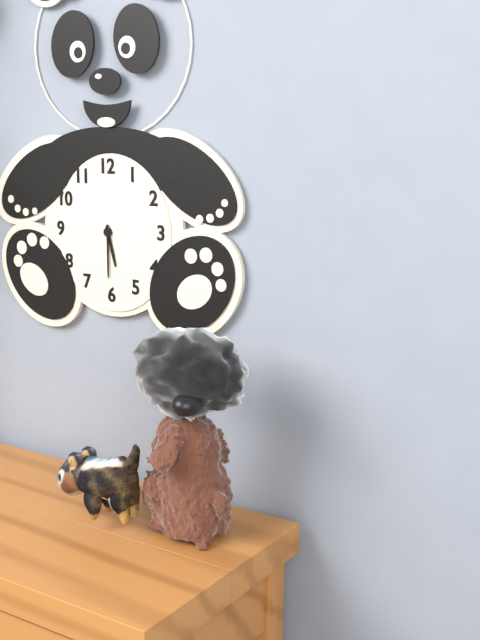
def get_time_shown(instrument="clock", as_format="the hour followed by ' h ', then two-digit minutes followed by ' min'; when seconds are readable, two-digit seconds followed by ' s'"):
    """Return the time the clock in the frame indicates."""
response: 5 h 30 min
